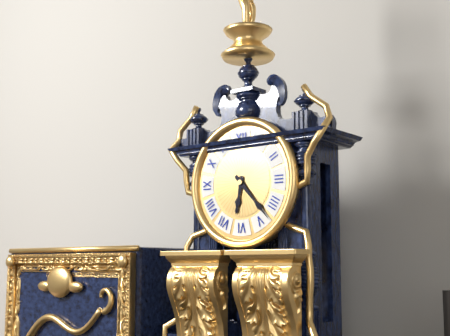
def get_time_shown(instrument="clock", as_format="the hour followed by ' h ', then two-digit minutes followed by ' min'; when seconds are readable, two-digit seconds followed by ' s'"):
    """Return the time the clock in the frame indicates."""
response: 6 h 23 min
